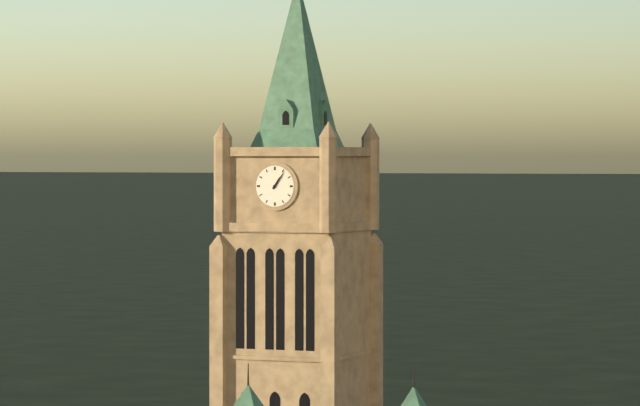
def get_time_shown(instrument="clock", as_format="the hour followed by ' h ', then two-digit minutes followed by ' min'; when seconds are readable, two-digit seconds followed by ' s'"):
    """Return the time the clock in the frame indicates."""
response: 1 h 06 min
